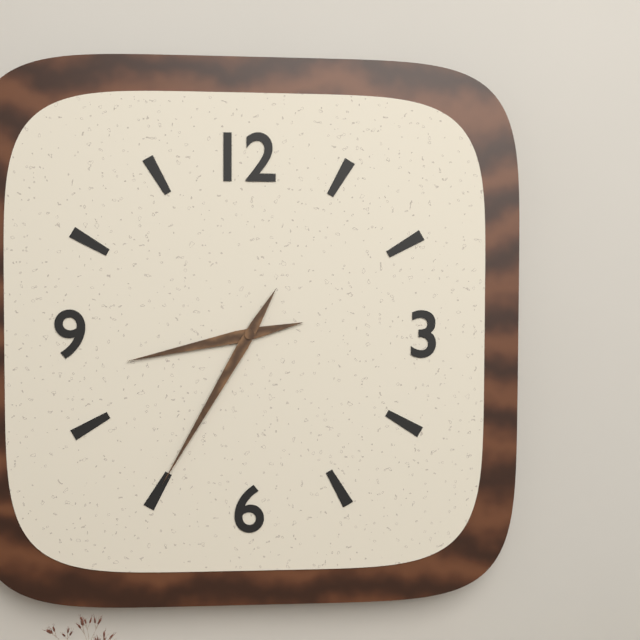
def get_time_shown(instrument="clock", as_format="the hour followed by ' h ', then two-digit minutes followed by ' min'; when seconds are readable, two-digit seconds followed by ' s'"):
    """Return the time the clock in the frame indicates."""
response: 8 h 35 min
